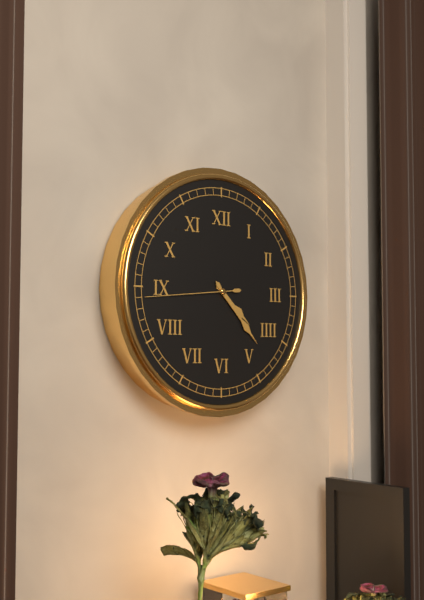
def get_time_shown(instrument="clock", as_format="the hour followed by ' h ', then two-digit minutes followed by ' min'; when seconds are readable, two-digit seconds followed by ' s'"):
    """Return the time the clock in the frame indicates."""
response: 4 h 23 min 44 s
